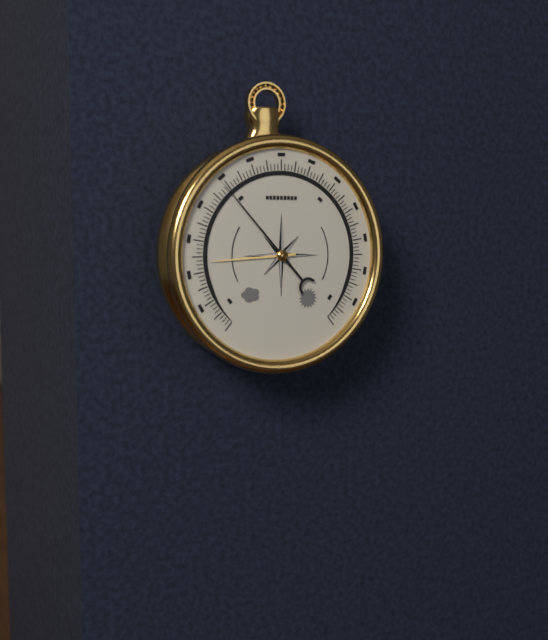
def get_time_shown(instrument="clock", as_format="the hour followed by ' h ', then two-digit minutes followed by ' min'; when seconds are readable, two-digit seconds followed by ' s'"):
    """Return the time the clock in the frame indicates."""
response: 8 h 53 min
